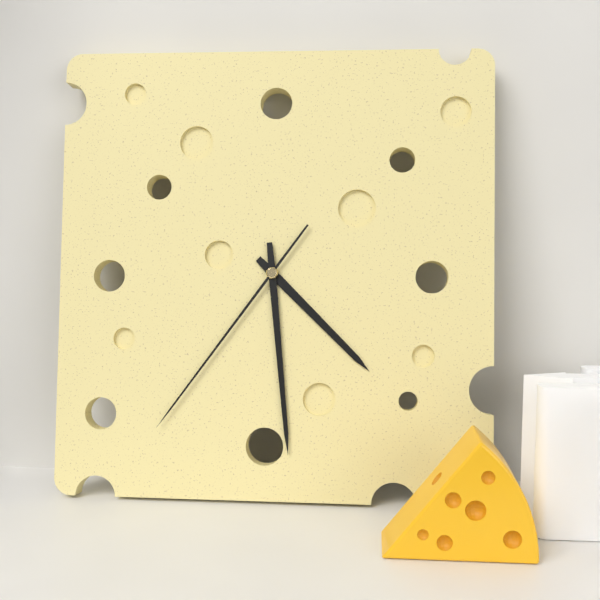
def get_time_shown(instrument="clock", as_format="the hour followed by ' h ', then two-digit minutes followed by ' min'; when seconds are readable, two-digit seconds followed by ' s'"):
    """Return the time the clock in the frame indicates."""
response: 4 h 29 min 36 s
